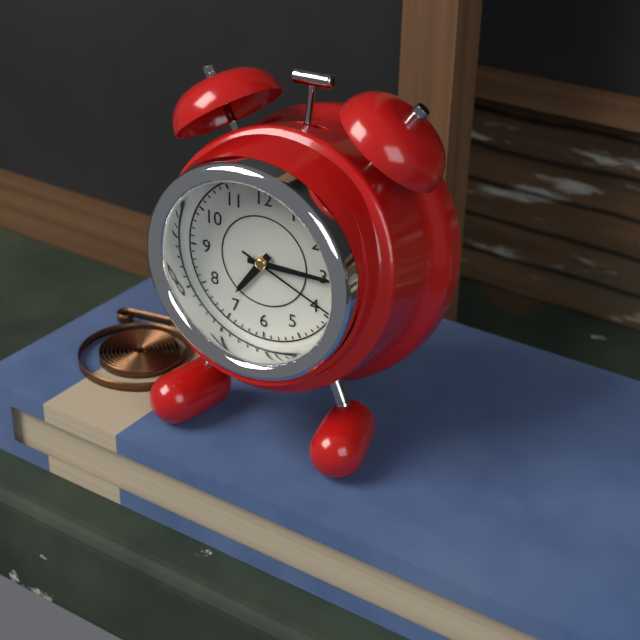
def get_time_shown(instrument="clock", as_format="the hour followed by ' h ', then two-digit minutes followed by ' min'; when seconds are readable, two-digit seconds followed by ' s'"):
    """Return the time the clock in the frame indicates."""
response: 7 h 15 min 19 s
